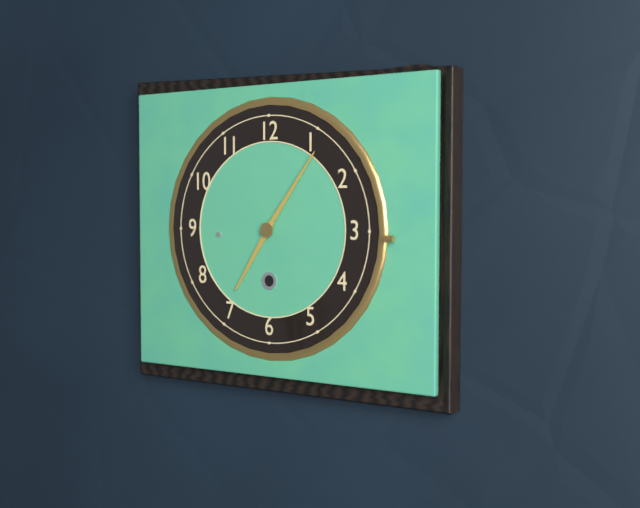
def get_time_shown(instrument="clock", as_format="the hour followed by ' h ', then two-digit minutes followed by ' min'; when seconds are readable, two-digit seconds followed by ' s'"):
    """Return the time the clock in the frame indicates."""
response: 7 h 06 min
